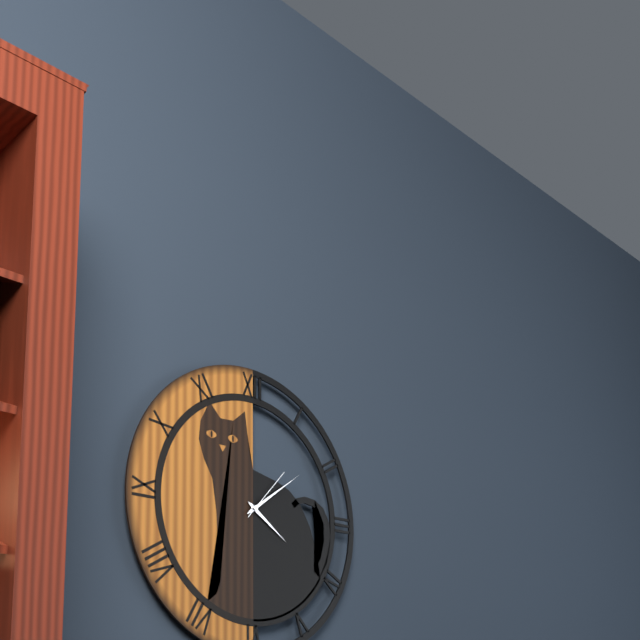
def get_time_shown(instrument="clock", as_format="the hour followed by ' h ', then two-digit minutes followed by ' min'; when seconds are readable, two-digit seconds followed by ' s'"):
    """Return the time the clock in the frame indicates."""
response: 4 h 09 min 07 s
